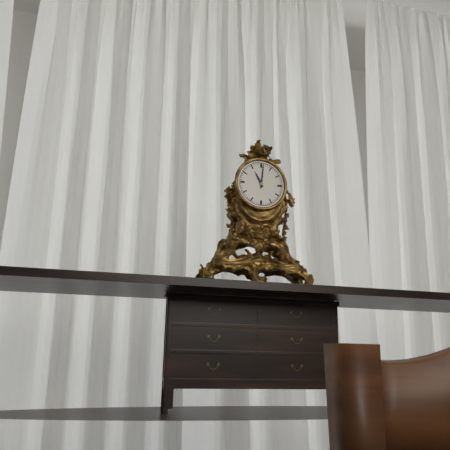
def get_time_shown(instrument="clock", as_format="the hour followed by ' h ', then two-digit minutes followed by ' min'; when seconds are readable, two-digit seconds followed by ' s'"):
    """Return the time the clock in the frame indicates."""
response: 11 h 01 min
